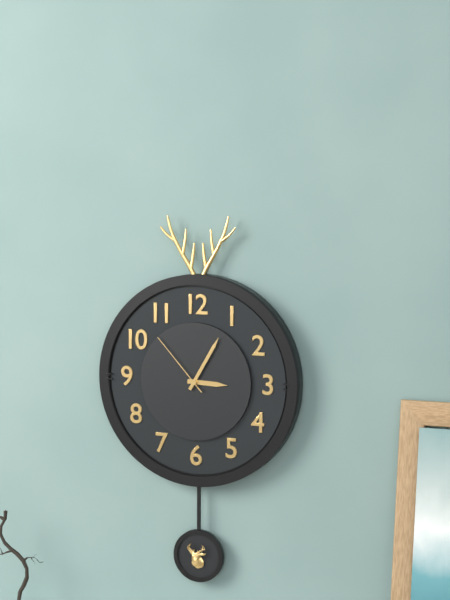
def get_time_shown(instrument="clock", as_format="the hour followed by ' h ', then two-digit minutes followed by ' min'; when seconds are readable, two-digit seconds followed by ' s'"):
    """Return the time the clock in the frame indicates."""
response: 3 h 05 min 53 s
